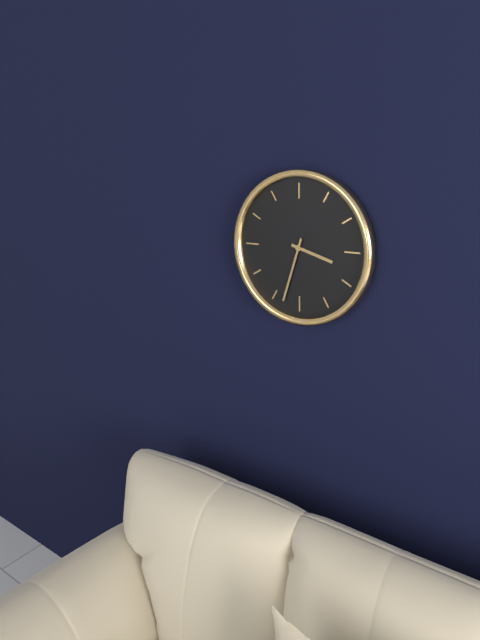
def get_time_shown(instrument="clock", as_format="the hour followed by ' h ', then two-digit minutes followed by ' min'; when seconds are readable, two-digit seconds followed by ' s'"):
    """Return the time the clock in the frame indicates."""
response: 3 h 33 min
